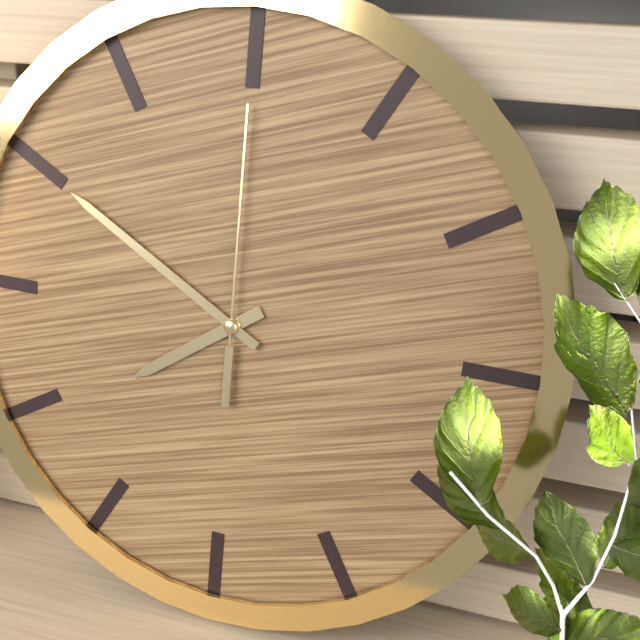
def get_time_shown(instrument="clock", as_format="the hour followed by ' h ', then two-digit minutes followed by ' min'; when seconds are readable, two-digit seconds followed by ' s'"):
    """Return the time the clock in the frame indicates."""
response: 7 h 50 min 00 s
